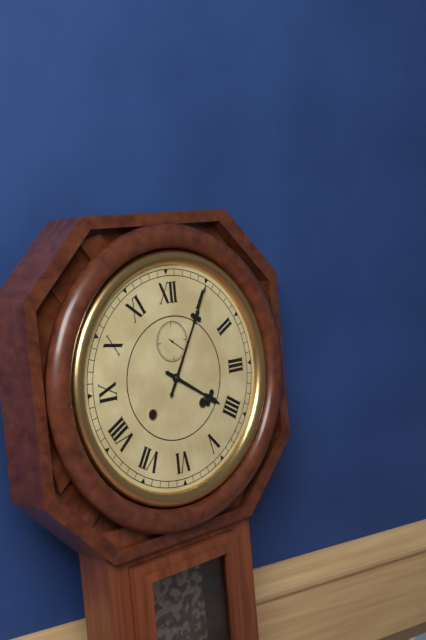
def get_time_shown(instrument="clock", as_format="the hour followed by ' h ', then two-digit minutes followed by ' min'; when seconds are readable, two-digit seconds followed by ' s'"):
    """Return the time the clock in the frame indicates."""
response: 4 h 05 min
